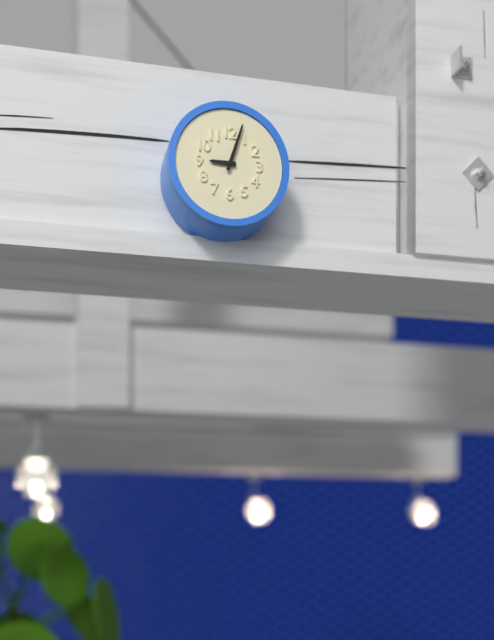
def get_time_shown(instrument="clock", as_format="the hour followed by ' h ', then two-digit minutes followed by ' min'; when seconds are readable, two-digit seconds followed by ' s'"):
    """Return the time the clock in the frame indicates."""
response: 9 h 03 min
